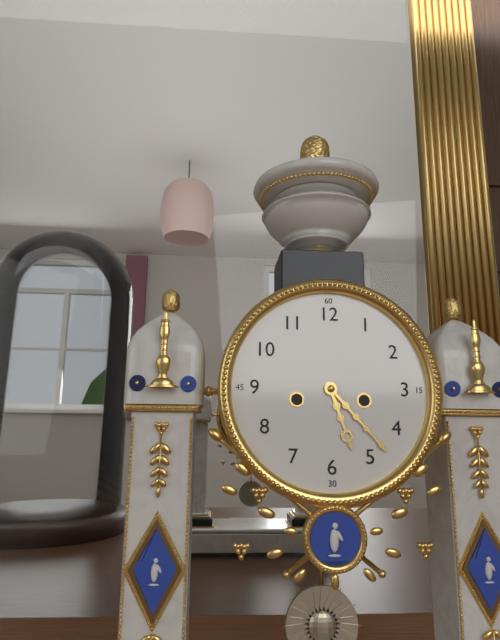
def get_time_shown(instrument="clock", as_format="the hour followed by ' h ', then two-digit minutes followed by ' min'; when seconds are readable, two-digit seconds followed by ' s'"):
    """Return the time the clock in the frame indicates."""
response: 5 h 23 min
